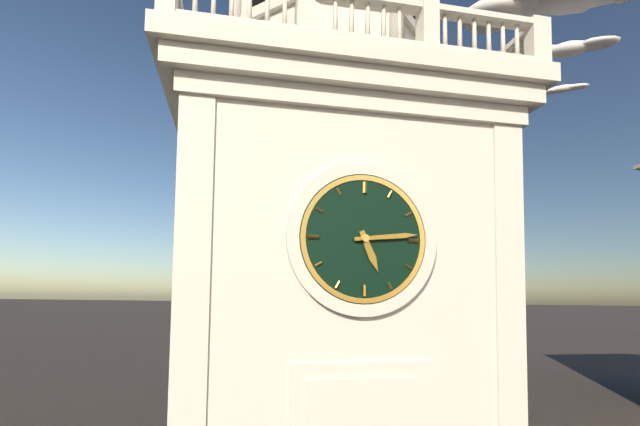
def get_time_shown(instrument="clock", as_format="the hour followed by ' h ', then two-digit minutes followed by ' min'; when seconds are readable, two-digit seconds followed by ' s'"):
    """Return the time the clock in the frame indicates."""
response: 5 h 14 min
